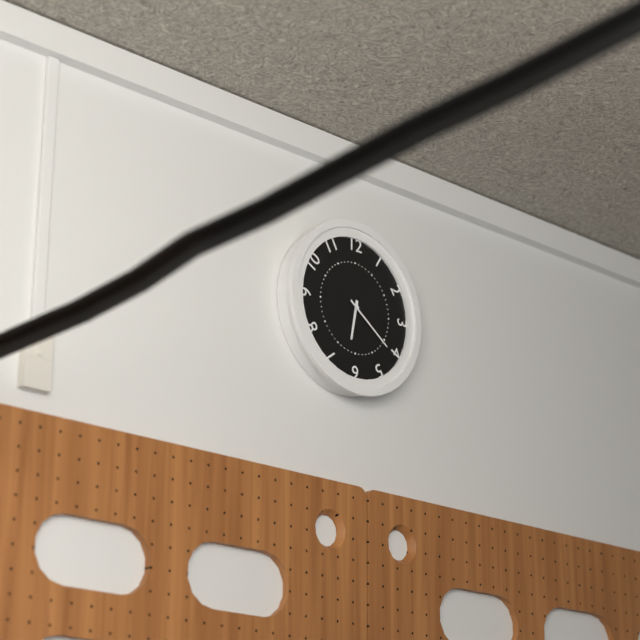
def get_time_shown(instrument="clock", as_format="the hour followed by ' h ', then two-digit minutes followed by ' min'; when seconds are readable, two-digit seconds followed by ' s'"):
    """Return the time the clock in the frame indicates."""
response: 6 h 21 min
